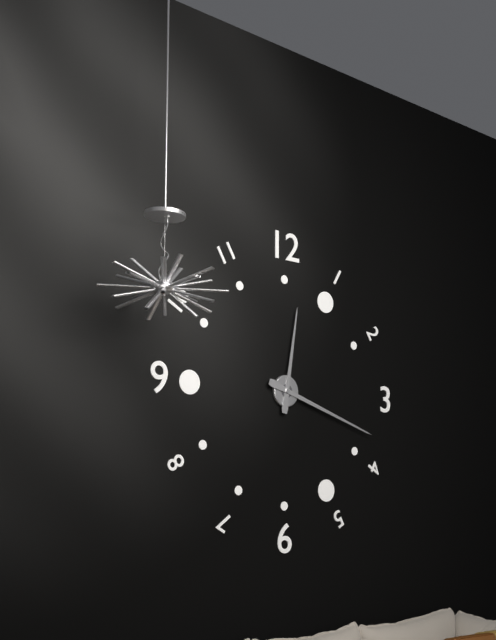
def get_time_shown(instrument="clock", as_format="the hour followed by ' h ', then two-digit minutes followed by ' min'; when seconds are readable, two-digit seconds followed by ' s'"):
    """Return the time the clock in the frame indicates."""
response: 12 h 18 min
